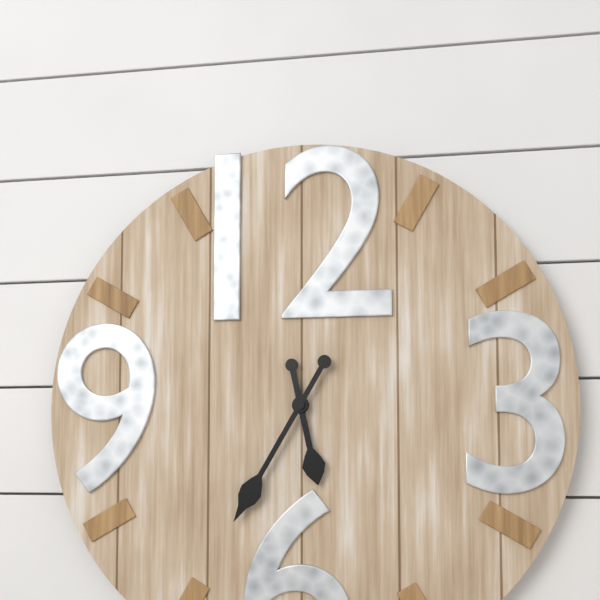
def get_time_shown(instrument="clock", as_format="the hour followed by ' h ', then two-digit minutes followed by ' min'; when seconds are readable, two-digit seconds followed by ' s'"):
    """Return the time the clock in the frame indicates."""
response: 5 h 35 min
